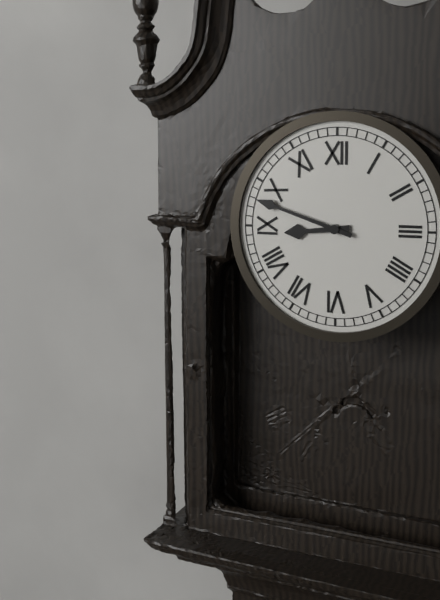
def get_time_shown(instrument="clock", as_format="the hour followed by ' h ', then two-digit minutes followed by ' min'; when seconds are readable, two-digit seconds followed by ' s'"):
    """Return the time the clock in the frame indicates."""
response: 8 h 48 min
